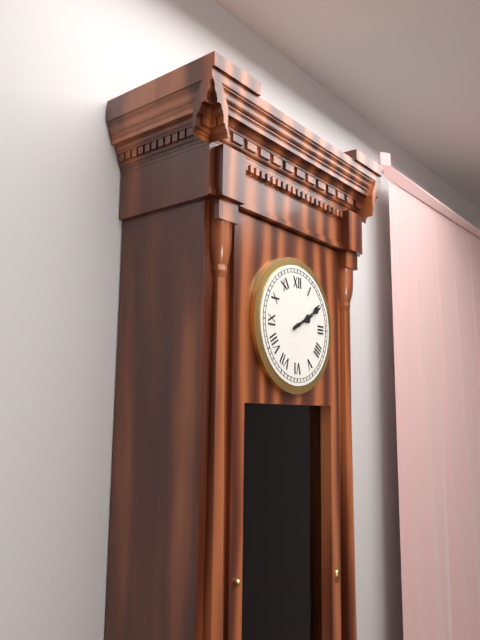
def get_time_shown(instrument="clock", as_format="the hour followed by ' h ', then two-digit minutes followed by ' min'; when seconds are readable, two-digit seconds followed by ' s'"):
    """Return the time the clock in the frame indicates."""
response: 2 h 10 min
